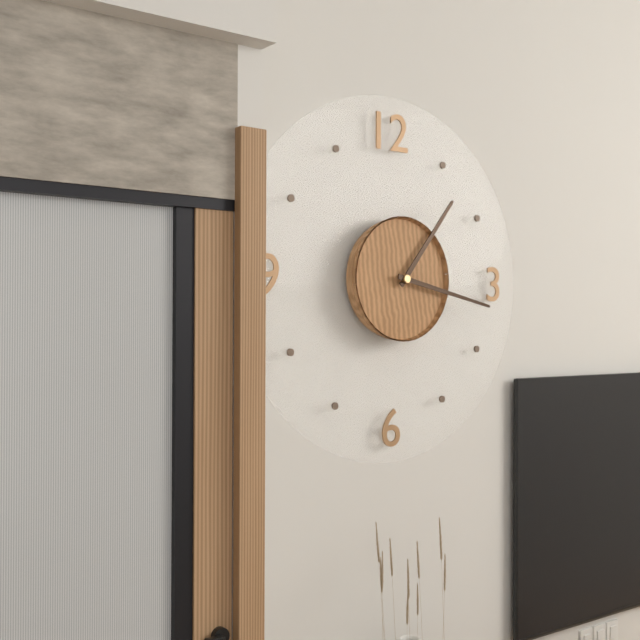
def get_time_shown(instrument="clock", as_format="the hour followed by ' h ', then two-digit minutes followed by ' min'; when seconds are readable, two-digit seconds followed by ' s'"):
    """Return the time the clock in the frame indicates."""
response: 1 h 17 min
